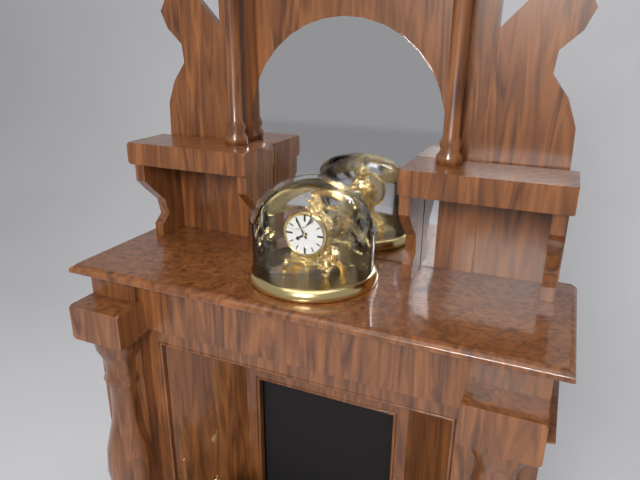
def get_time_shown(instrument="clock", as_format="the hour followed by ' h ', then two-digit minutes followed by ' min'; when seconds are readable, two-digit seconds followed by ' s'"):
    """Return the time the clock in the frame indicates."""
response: 7 h 55 min
